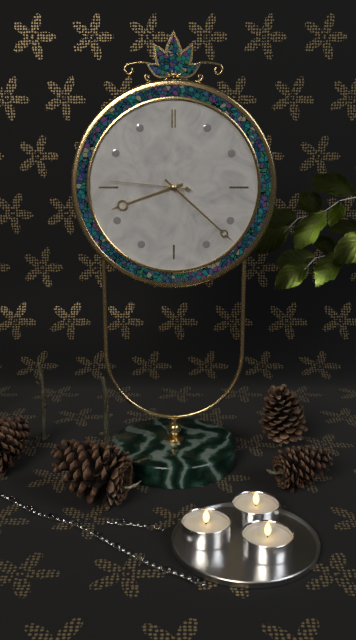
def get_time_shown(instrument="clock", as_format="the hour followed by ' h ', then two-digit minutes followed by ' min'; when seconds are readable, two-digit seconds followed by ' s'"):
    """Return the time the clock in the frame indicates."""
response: 8 h 22 min 46 s
